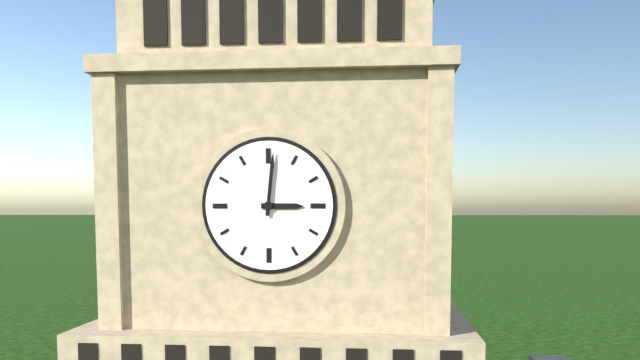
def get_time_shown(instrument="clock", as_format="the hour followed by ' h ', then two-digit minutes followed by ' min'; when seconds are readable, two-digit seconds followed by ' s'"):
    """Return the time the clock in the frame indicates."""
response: 3 h 01 min
